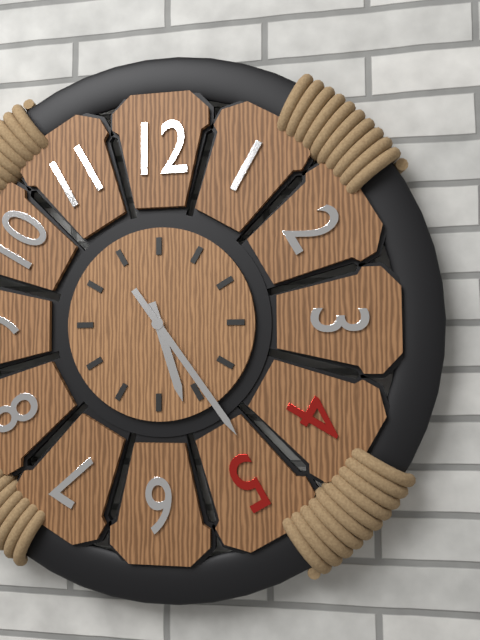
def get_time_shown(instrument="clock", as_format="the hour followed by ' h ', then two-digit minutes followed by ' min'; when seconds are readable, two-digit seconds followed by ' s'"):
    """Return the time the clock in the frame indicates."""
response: 5 h 24 min
